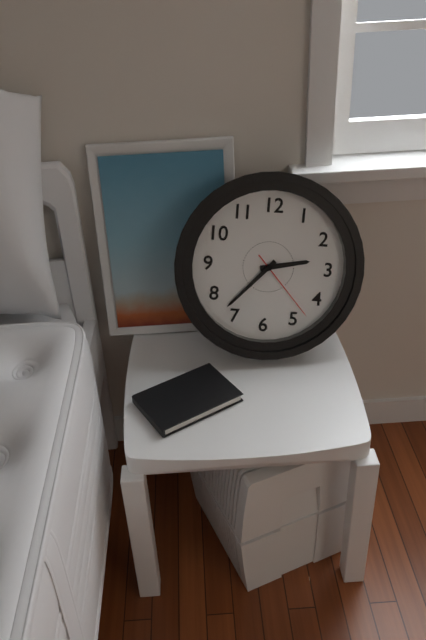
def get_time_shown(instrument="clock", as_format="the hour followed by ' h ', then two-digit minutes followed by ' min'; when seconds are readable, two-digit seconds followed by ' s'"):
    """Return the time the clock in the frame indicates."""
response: 2 h 37 min 23 s
